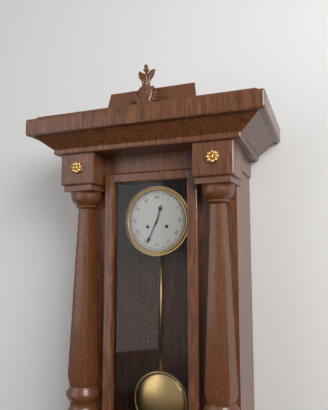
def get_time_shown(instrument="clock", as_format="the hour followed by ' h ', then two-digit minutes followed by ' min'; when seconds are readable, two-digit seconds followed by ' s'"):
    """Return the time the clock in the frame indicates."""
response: 12 h 34 min
